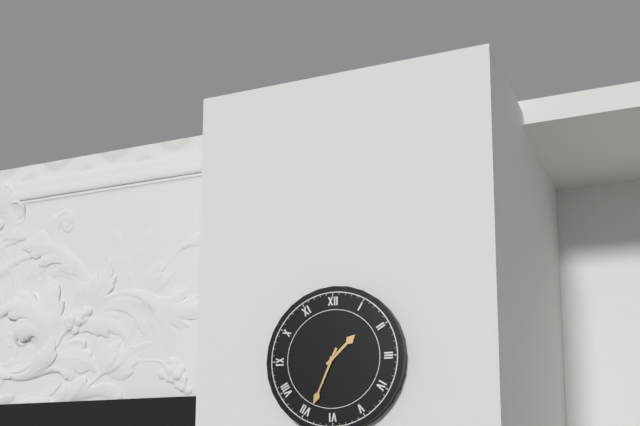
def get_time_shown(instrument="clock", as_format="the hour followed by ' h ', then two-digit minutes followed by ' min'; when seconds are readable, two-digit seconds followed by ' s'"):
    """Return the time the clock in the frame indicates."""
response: 1 h 34 min
